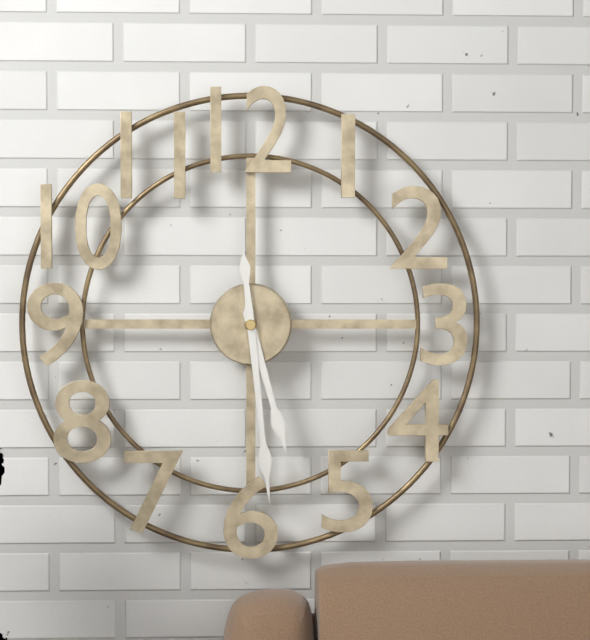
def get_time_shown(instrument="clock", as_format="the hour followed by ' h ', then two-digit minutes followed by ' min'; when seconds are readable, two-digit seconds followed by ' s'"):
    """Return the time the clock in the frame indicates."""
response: 5 h 29 min
